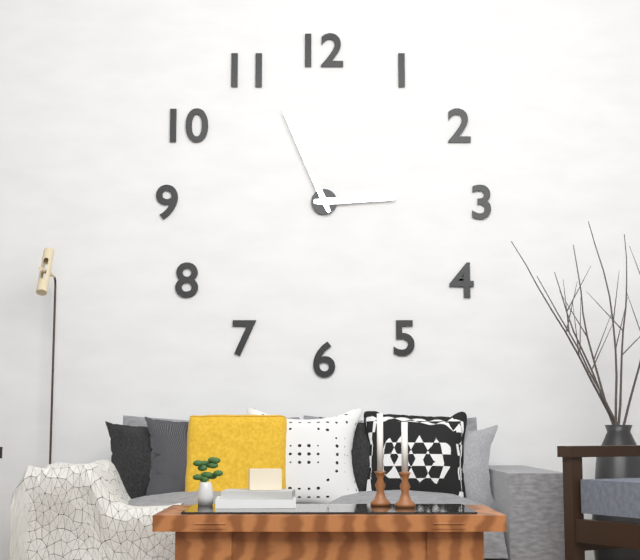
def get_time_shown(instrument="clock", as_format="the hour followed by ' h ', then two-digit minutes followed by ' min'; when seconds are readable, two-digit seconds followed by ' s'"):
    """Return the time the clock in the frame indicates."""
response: 2 h 56 min
